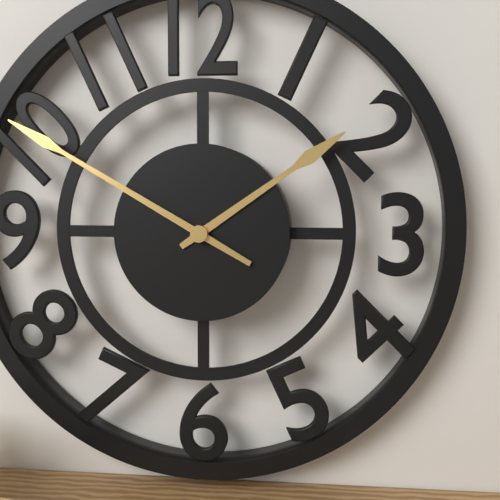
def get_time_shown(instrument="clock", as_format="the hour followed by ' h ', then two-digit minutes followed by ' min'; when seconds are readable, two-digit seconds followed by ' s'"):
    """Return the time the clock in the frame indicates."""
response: 1 h 50 min
